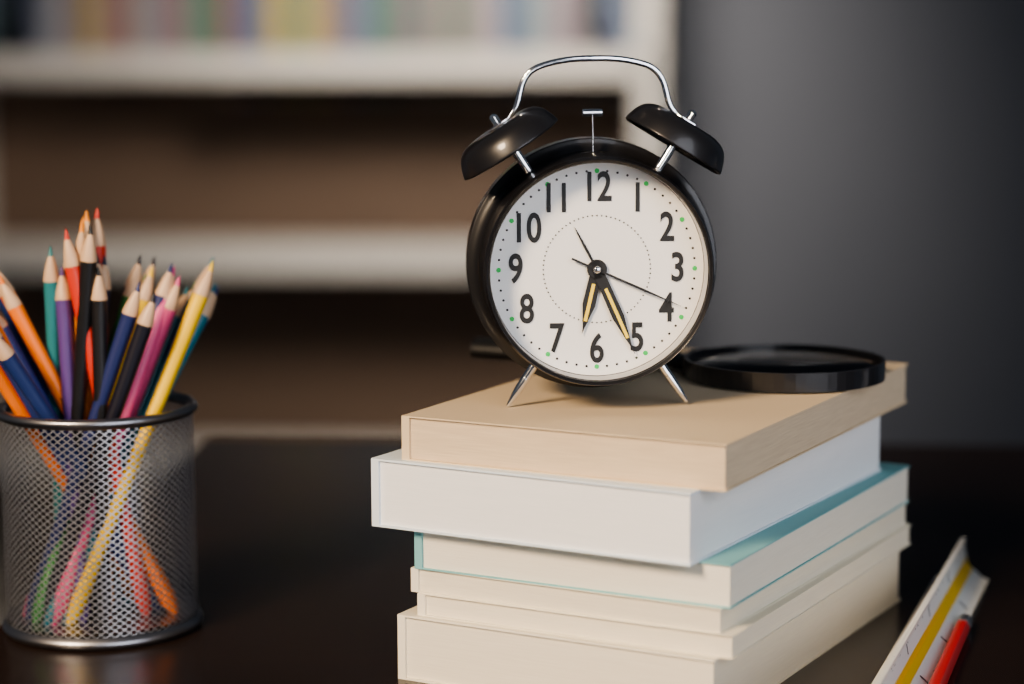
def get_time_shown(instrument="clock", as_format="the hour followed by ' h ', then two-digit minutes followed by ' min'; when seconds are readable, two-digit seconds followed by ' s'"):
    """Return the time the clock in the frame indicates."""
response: 6 h 26 min 19 s
